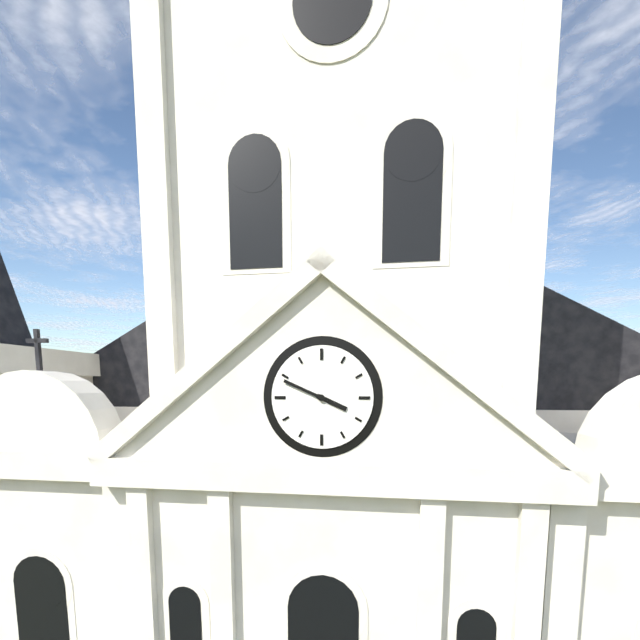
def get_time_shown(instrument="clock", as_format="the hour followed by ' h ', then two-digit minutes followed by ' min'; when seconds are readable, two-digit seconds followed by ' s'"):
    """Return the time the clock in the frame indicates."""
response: 3 h 49 min
